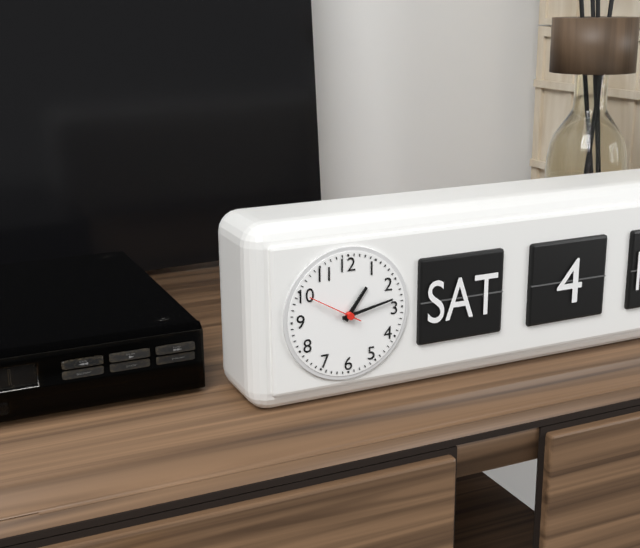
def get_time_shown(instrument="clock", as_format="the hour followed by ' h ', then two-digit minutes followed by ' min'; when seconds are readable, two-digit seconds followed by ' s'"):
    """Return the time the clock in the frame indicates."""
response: 1 h 13 min 50 s
